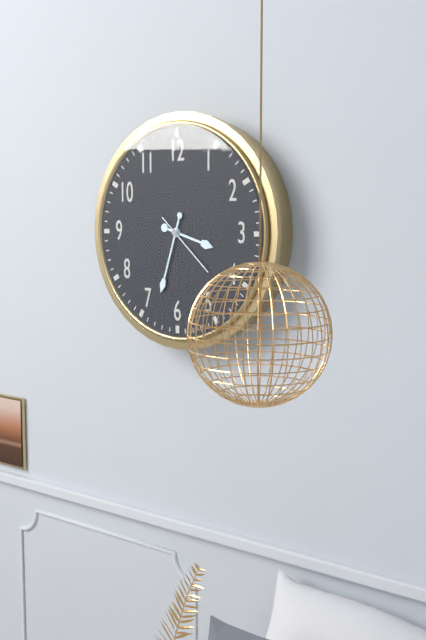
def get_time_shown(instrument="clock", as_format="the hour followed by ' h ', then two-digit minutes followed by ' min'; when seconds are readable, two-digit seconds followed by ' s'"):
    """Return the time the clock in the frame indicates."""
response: 3 h 33 min 22 s
